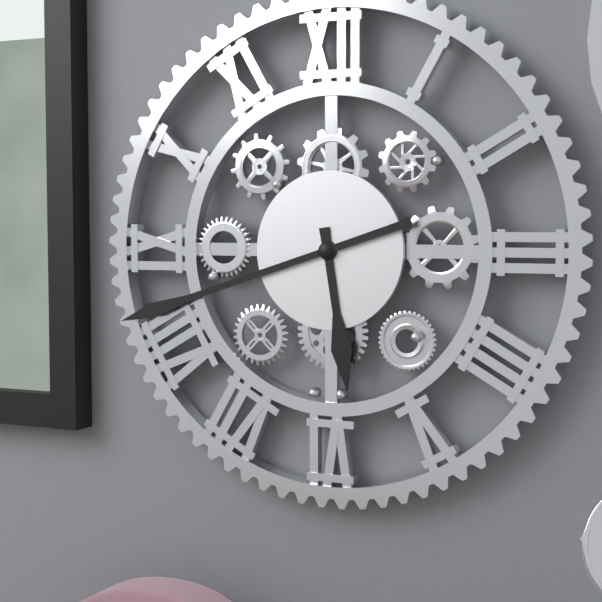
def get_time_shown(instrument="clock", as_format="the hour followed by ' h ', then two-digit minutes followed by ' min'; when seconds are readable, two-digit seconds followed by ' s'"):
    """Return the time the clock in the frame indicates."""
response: 5 h 42 min
